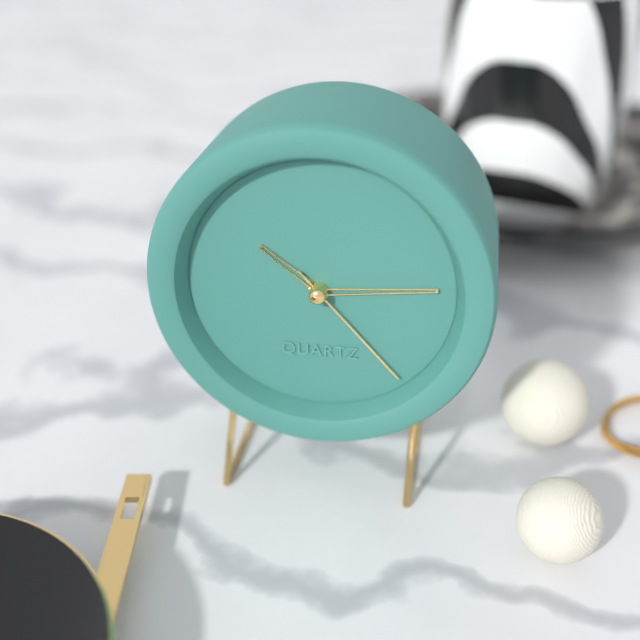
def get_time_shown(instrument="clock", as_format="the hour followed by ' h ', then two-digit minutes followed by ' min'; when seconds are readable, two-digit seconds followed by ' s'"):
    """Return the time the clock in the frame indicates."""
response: 10 h 14 min 23 s
